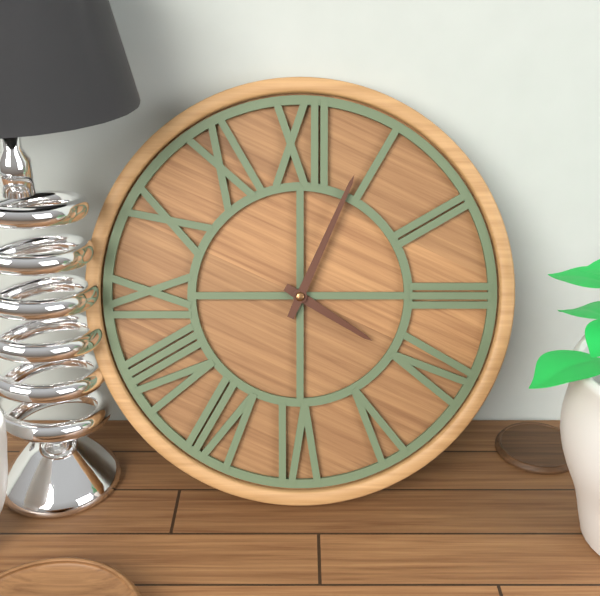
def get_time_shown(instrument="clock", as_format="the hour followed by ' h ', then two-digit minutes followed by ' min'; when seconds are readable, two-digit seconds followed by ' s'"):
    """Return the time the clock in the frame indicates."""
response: 4 h 04 min
